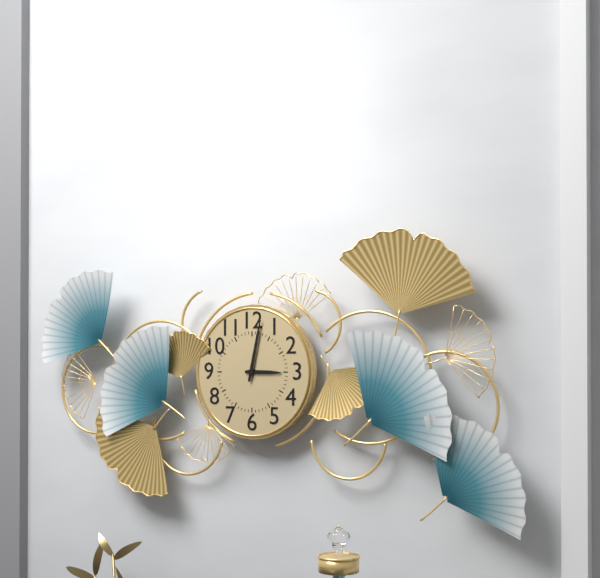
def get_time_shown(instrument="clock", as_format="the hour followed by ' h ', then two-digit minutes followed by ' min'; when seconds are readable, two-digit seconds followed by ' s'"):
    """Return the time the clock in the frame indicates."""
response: 3 h 02 min
